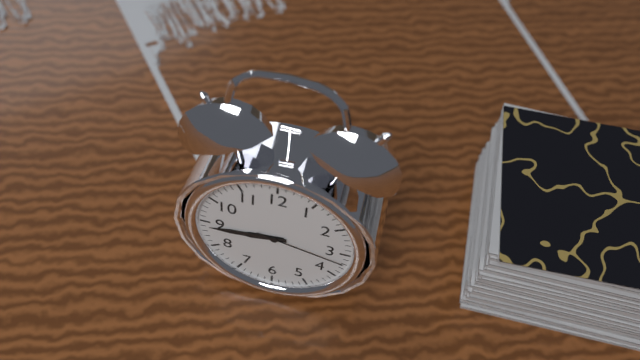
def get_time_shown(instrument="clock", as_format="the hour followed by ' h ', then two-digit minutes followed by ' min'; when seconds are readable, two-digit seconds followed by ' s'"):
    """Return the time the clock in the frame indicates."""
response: 8 h 44 min 17 s
